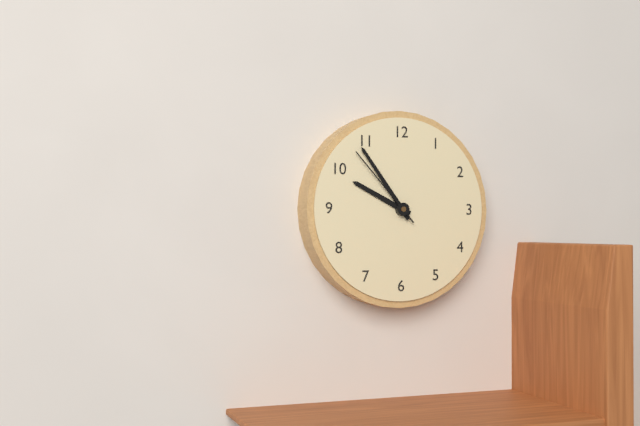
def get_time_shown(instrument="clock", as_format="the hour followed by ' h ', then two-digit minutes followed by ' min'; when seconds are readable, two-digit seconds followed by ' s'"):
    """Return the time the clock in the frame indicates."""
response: 9 h 54 min 53 s
